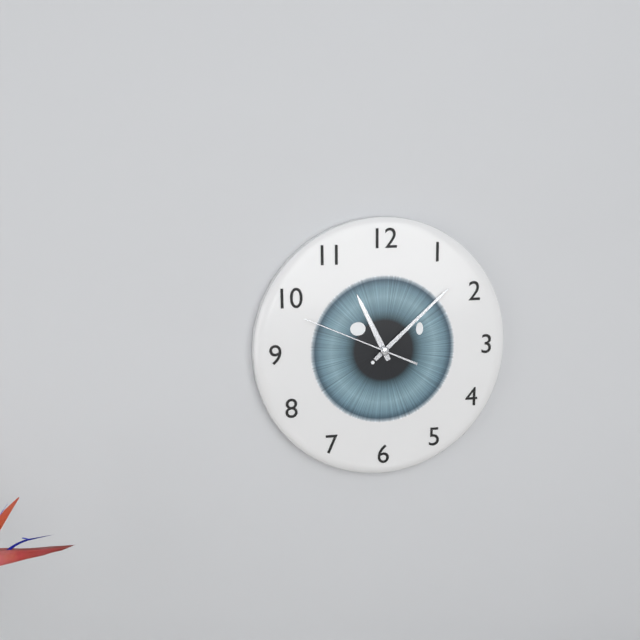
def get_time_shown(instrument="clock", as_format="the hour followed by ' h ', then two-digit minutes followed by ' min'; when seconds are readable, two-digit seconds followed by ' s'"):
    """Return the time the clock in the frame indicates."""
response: 11 h 08 min 49 s
